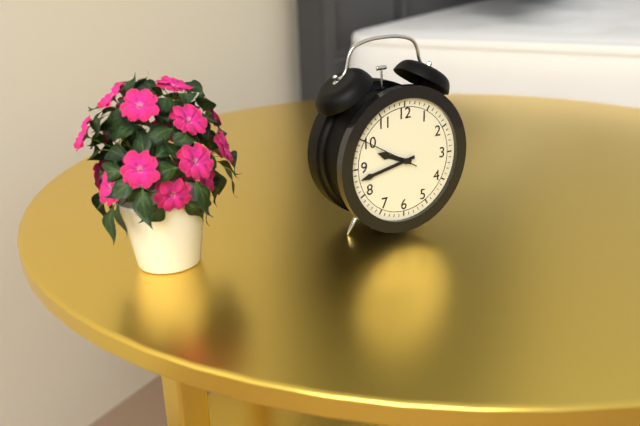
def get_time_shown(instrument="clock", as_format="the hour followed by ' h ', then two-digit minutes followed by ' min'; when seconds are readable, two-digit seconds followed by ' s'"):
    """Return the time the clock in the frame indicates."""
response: 9 h 43 min 50 s
